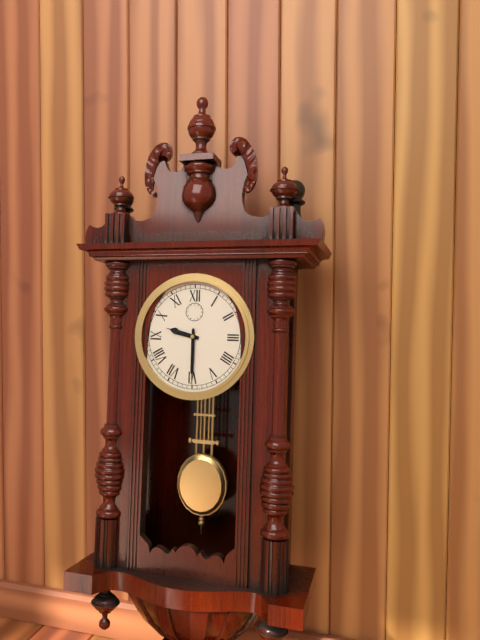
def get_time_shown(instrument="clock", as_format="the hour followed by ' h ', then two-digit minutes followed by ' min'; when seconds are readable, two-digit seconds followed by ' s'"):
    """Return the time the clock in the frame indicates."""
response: 9 h 30 min
